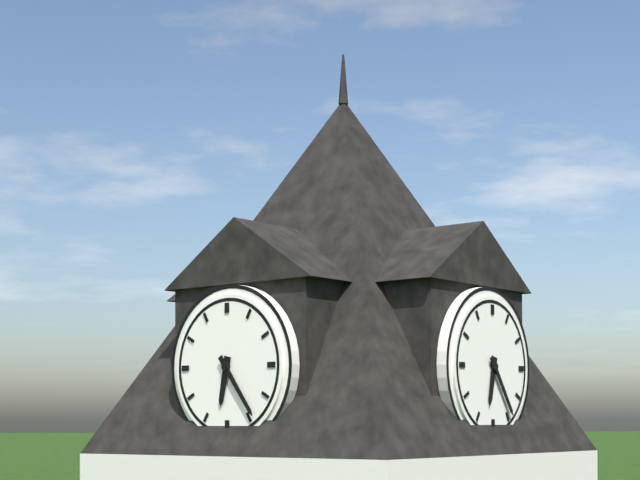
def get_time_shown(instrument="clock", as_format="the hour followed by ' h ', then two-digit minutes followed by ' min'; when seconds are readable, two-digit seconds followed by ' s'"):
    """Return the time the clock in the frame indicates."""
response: 6 h 24 min
